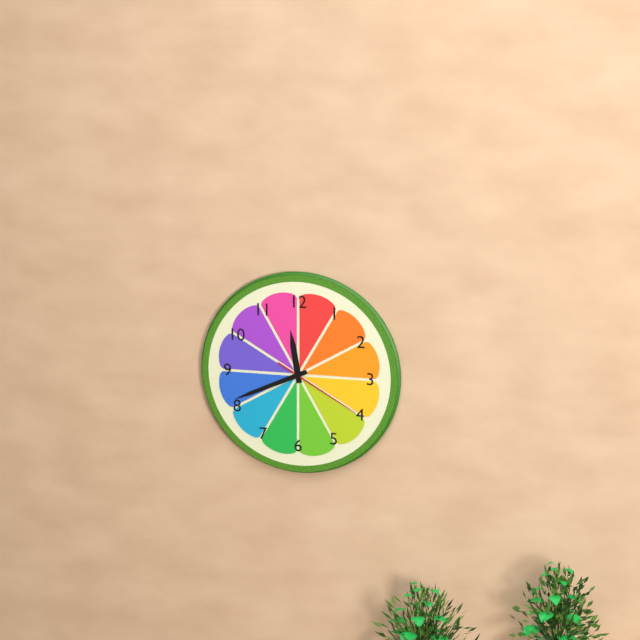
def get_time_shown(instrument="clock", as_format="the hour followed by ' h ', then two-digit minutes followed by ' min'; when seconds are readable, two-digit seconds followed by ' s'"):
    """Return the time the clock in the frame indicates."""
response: 11 h 41 min 20 s
